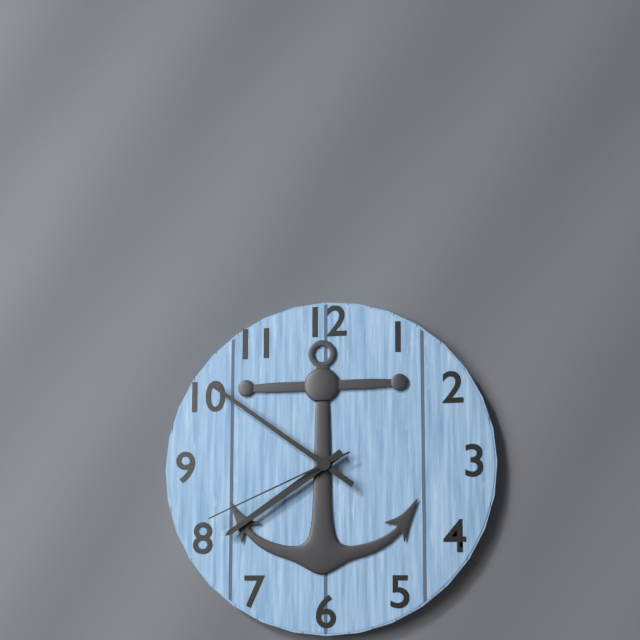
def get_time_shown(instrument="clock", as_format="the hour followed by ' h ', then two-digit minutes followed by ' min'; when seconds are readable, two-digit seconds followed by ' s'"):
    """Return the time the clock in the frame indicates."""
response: 7 h 51 min 41 s
